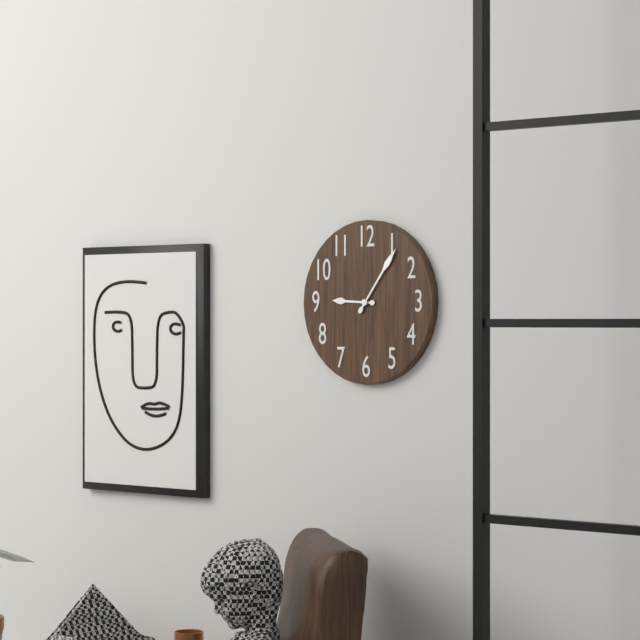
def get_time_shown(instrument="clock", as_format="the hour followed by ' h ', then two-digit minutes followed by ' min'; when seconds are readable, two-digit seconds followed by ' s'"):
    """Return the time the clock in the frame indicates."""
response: 9 h 06 min
